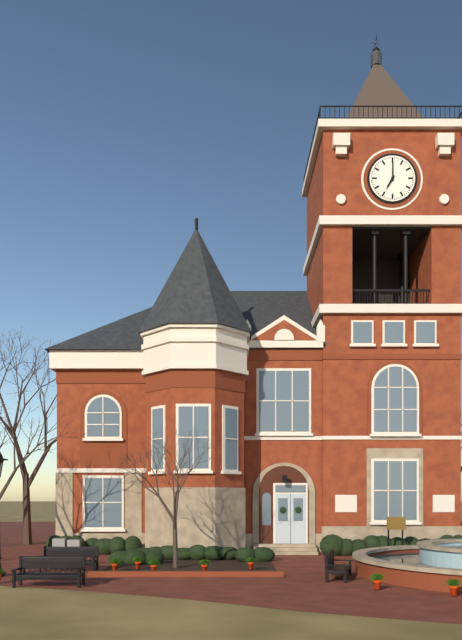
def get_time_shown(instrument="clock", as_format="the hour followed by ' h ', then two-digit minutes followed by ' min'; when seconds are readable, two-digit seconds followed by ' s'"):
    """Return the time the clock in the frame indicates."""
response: 7 h 00 min
